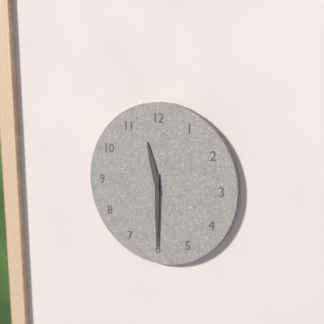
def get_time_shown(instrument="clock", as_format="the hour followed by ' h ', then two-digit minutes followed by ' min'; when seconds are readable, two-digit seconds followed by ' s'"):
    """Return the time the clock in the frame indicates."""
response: 11 h 30 min
